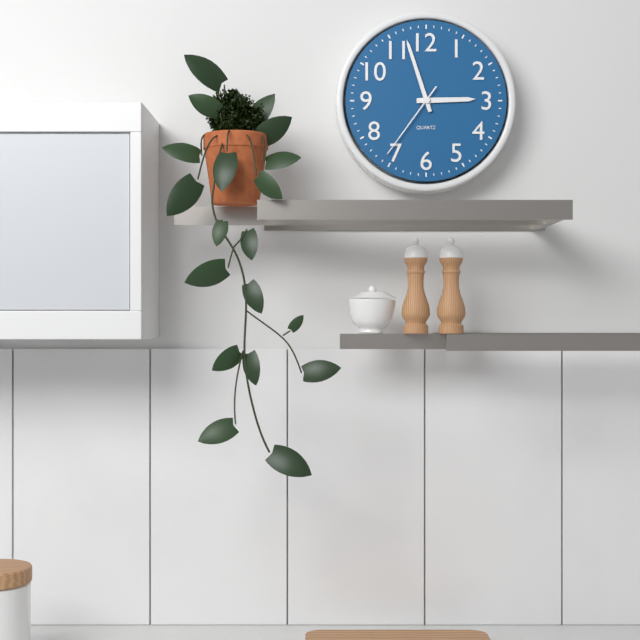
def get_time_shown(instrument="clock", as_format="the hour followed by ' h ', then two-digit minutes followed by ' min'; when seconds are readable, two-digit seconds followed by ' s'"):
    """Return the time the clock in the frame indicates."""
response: 2 h 57 min 36 s
